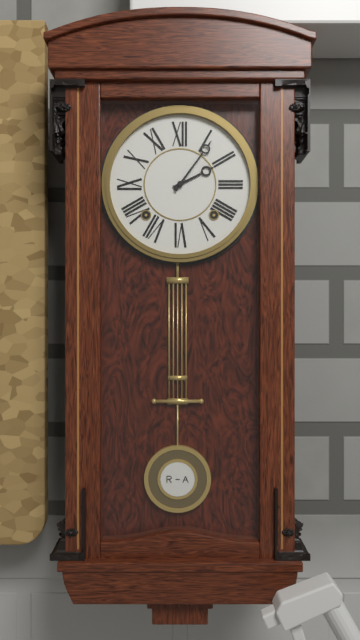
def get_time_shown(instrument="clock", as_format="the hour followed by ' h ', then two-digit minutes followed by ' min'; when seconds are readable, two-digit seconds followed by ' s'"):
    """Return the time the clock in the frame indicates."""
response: 2 h 06 min
